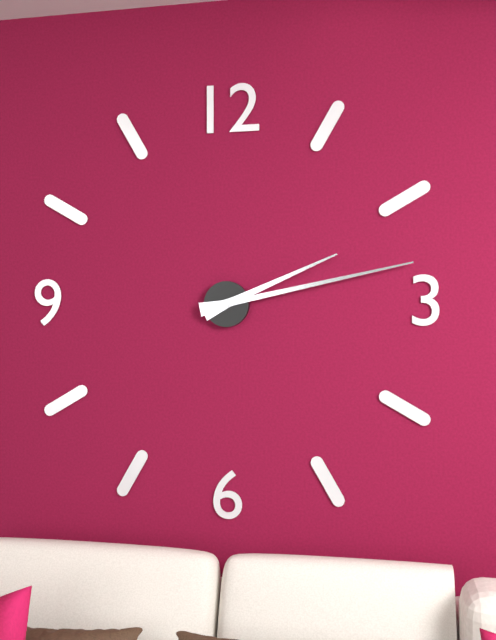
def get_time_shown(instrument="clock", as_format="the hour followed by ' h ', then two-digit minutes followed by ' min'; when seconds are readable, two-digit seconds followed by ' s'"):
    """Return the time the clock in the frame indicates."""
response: 2 h 13 min
